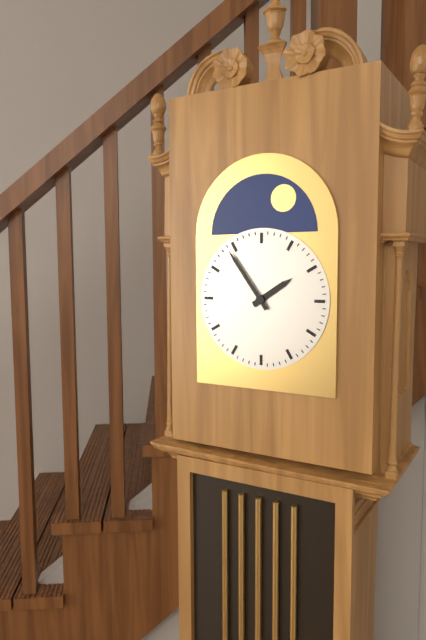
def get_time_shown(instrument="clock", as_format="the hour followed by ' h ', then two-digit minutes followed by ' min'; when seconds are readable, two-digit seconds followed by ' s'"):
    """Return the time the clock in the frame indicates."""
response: 1 h 54 min
